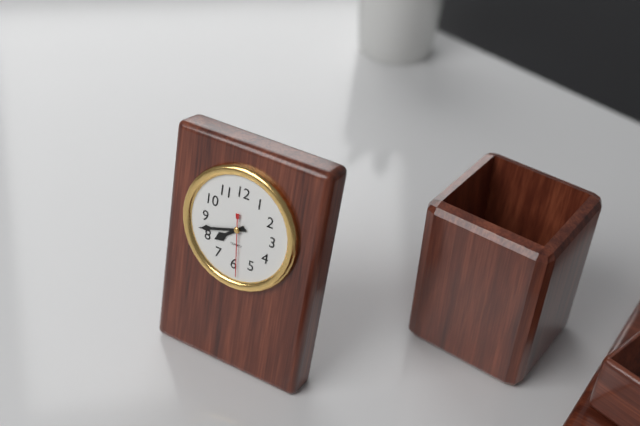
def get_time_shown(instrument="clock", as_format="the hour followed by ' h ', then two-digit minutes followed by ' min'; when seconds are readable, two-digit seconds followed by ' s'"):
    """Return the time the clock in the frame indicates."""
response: 7 h 42 min 29 s
